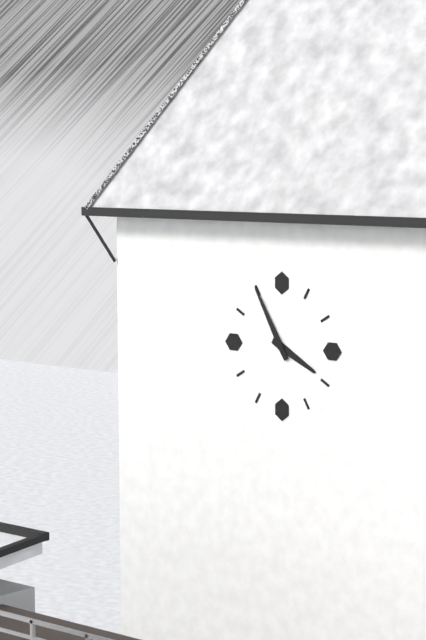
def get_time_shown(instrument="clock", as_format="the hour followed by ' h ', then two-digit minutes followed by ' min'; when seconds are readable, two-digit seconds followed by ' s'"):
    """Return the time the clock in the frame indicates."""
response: 3 h 55 min
